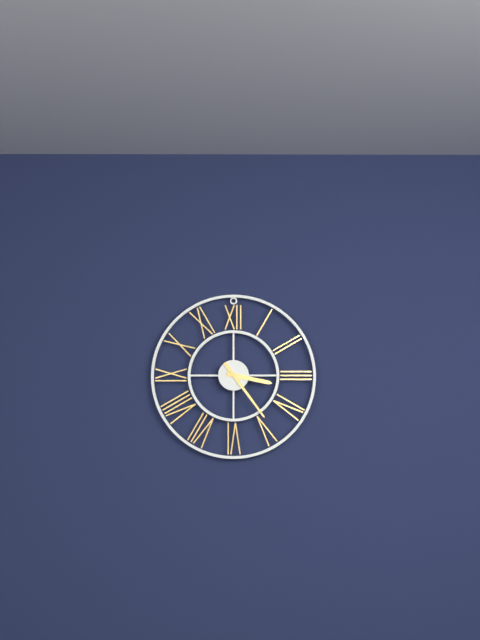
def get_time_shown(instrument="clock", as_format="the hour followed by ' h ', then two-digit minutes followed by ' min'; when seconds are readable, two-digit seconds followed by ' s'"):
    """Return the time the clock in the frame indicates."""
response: 3 h 24 min
